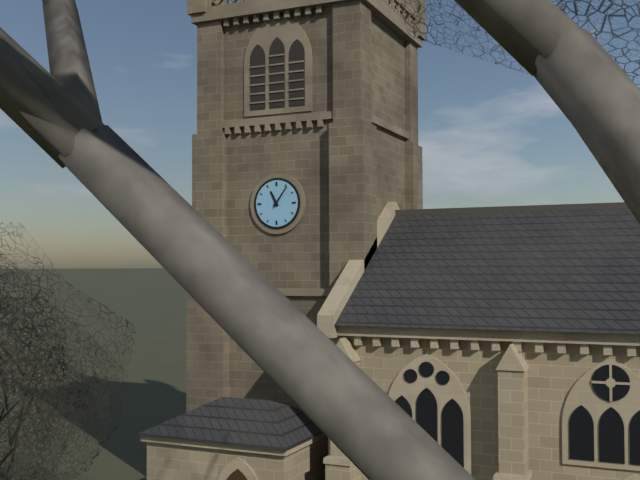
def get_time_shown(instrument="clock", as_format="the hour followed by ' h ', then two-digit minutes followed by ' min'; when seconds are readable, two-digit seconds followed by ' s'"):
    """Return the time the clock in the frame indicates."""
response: 11 h 06 min
